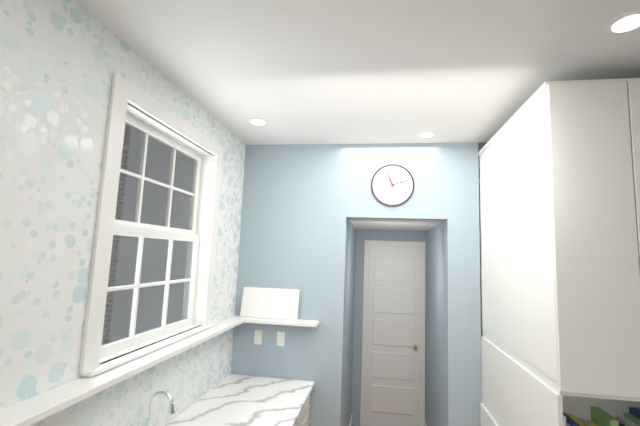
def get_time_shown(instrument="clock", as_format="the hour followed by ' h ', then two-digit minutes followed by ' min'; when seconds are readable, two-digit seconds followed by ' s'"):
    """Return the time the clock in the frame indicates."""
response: 11 h 12 min
